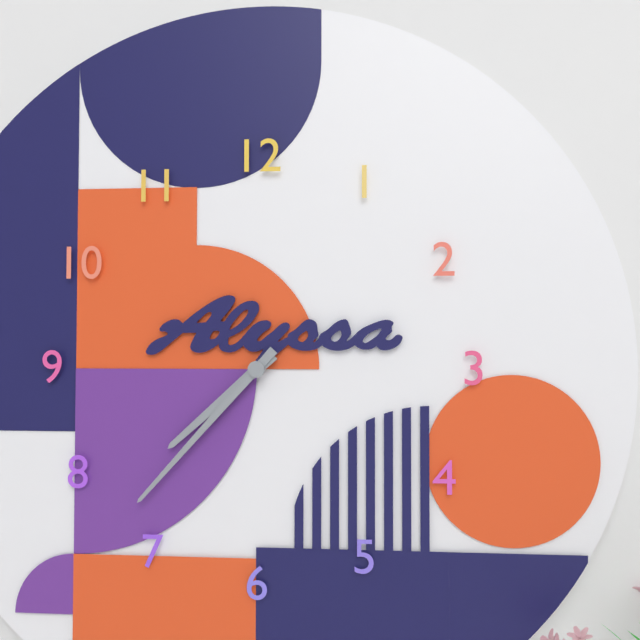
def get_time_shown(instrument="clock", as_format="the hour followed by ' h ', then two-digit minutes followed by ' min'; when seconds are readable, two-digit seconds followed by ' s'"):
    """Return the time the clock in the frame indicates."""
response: 7 h 37 min
